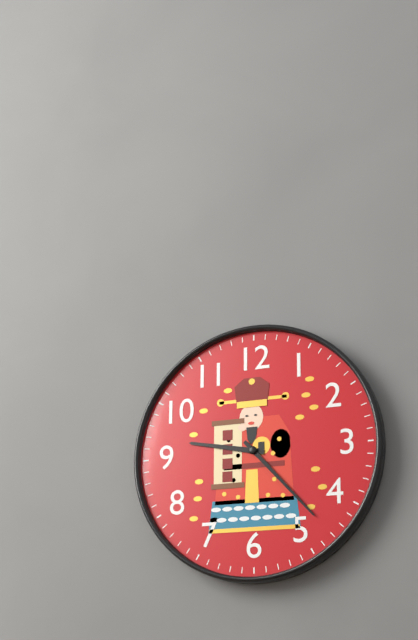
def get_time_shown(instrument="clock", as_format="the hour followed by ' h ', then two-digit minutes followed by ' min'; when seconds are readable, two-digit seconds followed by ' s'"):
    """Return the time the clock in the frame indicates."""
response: 9 h 23 min
